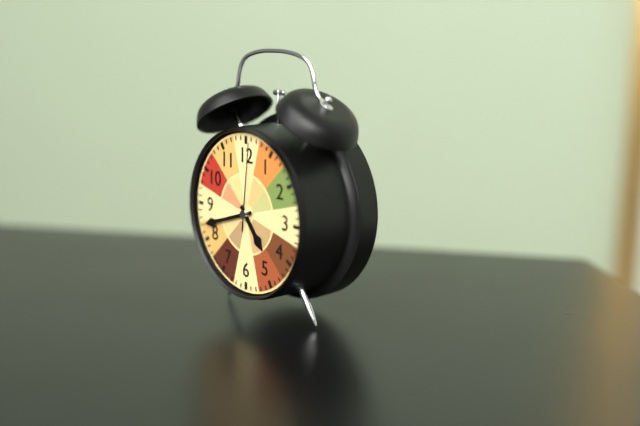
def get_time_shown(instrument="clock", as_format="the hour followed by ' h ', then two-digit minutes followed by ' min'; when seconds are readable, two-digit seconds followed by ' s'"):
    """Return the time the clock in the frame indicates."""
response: 4 h 42 min 01 s
